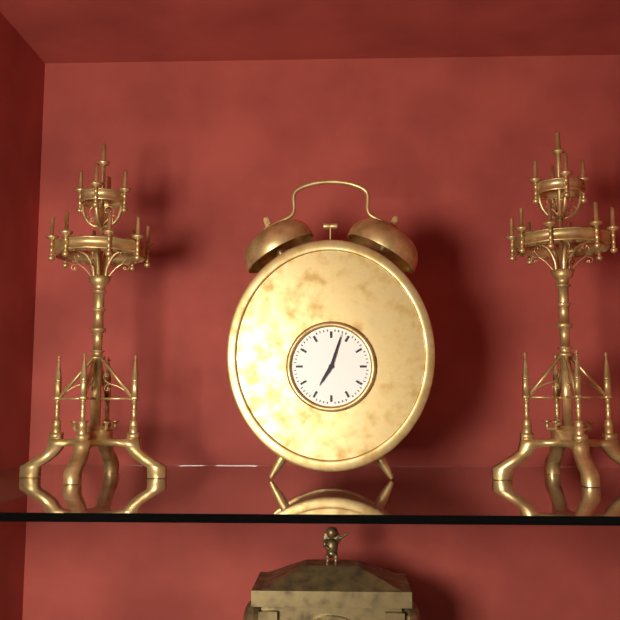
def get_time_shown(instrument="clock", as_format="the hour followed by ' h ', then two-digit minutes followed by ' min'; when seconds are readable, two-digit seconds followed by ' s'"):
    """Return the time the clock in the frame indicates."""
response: 7 h 03 min
